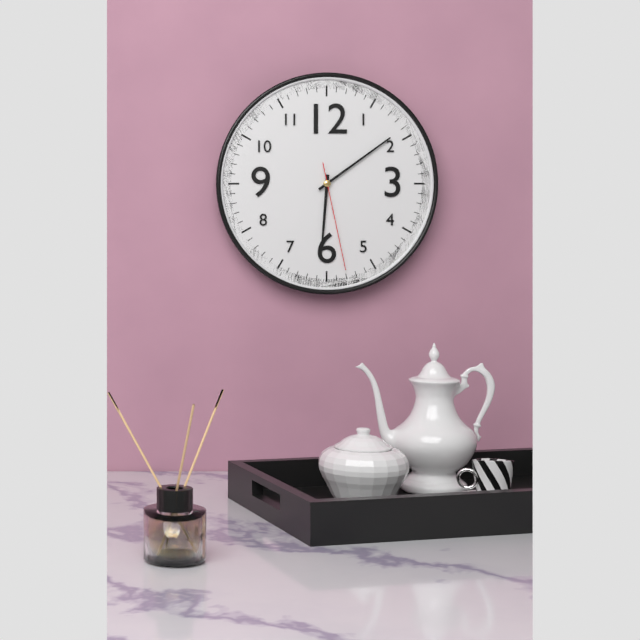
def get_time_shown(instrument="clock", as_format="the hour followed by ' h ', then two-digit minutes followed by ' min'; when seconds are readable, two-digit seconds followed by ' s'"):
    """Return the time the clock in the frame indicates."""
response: 6 h 09 min 28 s
